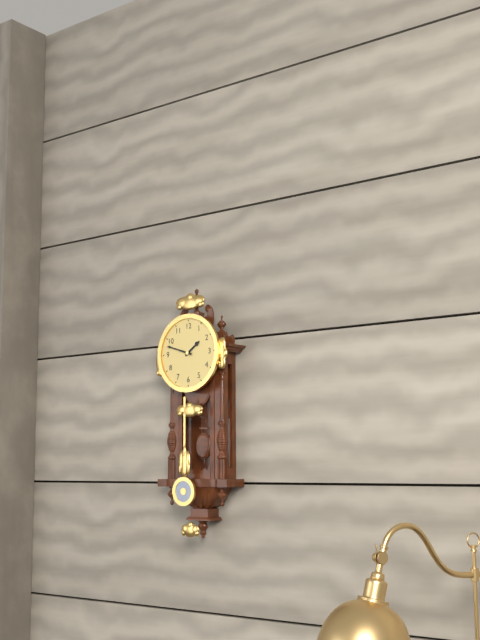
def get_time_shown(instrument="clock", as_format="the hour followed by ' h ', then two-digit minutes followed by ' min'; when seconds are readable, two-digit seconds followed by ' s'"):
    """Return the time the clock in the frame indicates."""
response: 1 h 48 min
